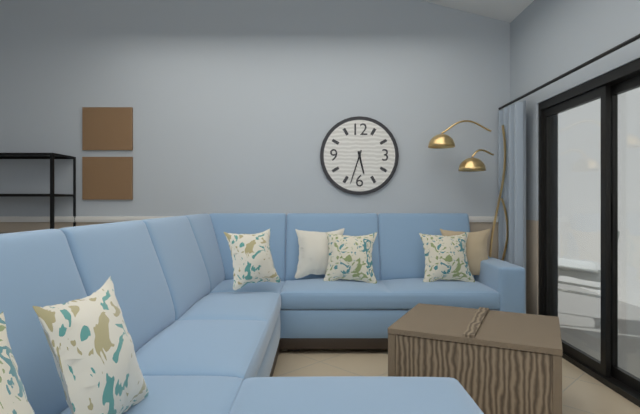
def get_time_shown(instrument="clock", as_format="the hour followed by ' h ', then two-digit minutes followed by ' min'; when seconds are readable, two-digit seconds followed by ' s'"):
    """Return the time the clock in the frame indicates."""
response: 5 h 33 min
